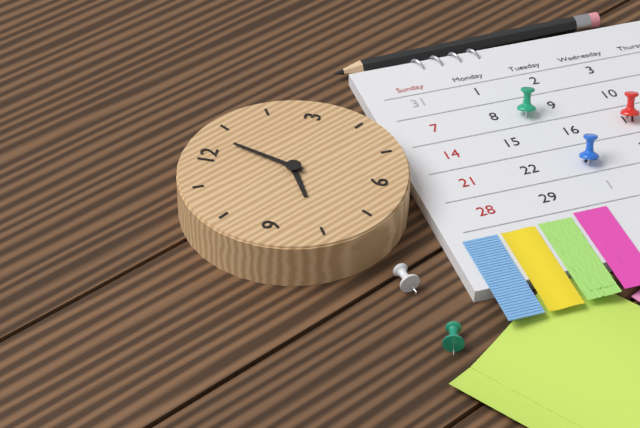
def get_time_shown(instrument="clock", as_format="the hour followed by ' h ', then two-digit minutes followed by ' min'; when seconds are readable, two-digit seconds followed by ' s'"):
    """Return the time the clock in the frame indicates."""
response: 8 h 03 min
